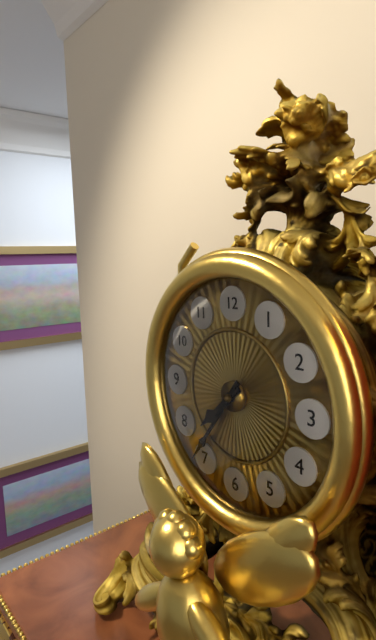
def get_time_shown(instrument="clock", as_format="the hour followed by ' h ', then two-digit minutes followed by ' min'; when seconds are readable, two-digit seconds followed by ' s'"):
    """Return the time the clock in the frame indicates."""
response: 7 h 36 min
